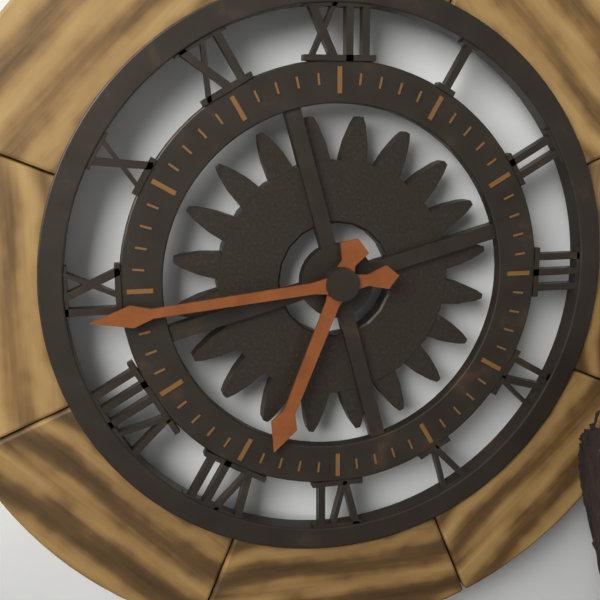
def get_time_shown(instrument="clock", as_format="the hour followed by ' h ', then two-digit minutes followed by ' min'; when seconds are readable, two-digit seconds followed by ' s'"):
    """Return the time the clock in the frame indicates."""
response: 6 h 44 min
